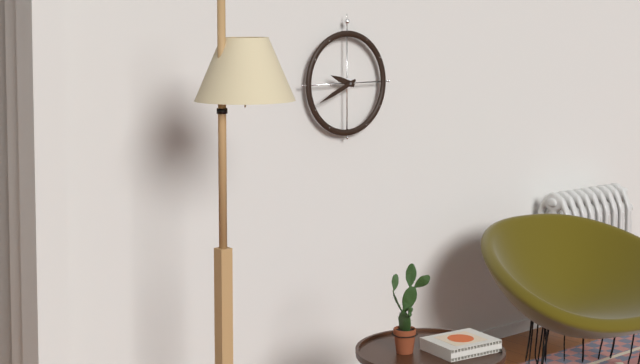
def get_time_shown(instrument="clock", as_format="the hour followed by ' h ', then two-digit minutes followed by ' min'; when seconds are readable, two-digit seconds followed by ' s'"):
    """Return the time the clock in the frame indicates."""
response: 9 h 41 min
